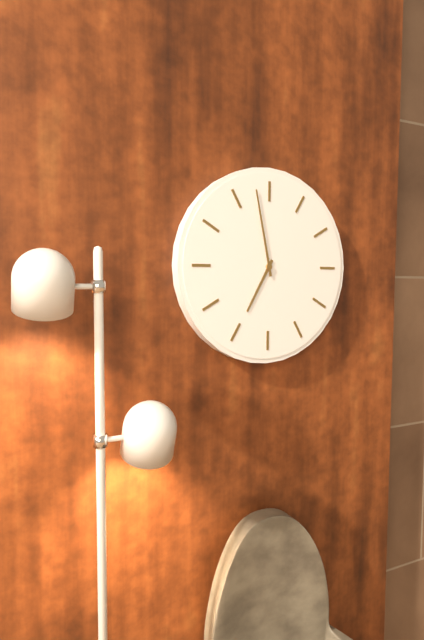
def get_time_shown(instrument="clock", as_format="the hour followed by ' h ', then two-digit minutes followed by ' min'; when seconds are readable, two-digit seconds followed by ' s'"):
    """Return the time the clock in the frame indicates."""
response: 6 h 58 min
